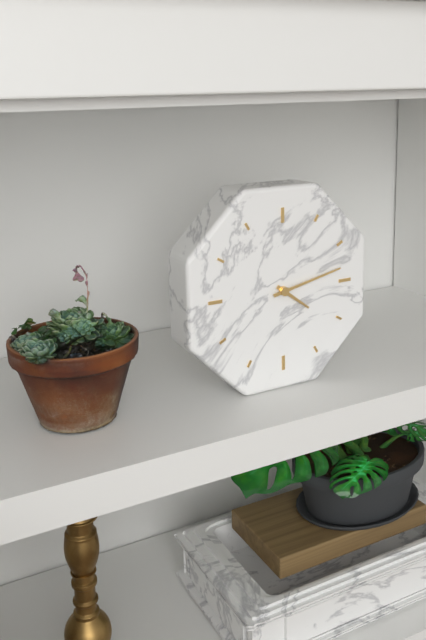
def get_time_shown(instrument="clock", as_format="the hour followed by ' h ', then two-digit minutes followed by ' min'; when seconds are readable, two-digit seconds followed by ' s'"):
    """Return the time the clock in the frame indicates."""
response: 4 h 13 min
